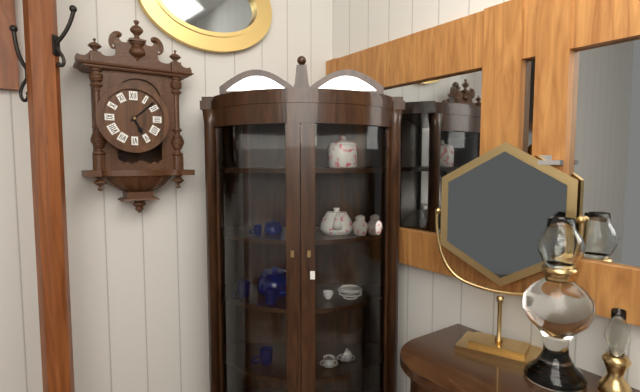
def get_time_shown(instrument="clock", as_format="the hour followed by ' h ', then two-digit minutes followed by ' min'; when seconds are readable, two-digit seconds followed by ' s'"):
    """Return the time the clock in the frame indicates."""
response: 5 h 08 min
